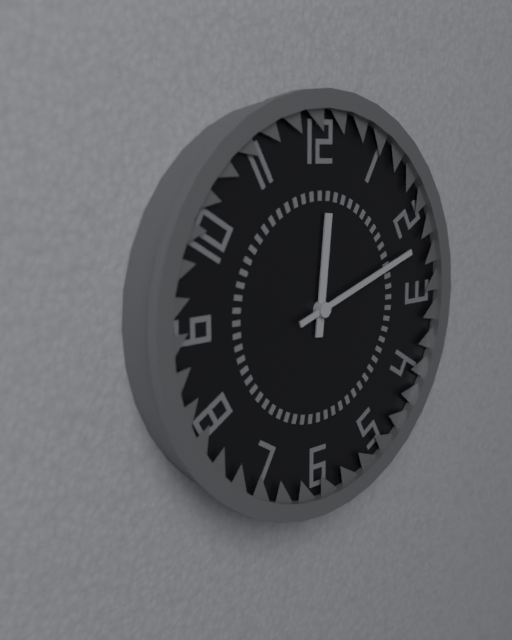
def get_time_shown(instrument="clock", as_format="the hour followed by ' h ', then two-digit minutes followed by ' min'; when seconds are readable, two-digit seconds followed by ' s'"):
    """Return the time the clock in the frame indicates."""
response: 12 h 12 min
